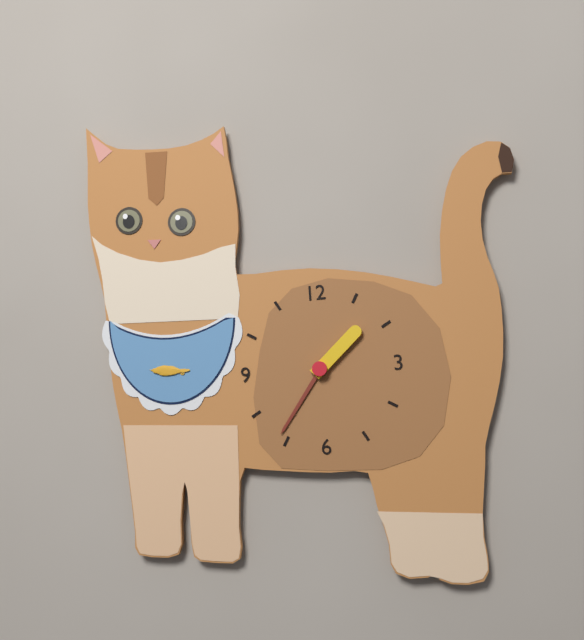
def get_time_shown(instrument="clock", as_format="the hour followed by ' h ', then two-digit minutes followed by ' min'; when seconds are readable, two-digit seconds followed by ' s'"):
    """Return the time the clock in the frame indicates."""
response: 1 h 36 min
